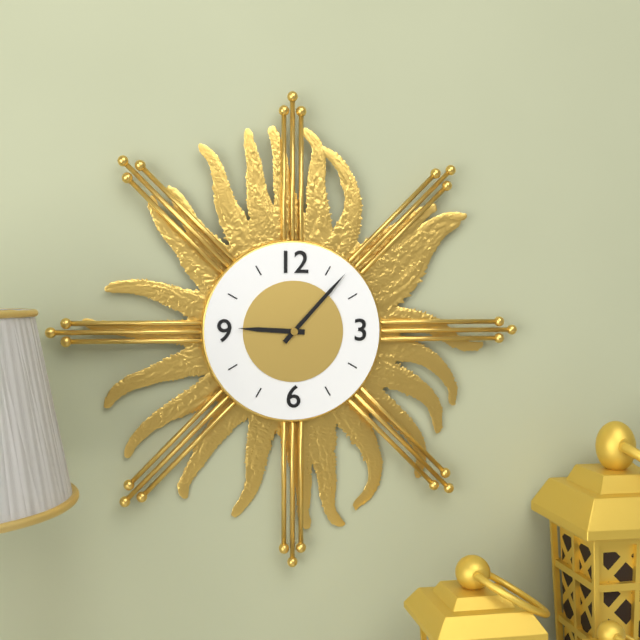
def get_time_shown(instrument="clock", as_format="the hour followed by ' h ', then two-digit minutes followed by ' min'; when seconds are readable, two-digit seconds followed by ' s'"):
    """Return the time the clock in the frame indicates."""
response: 9 h 07 min
